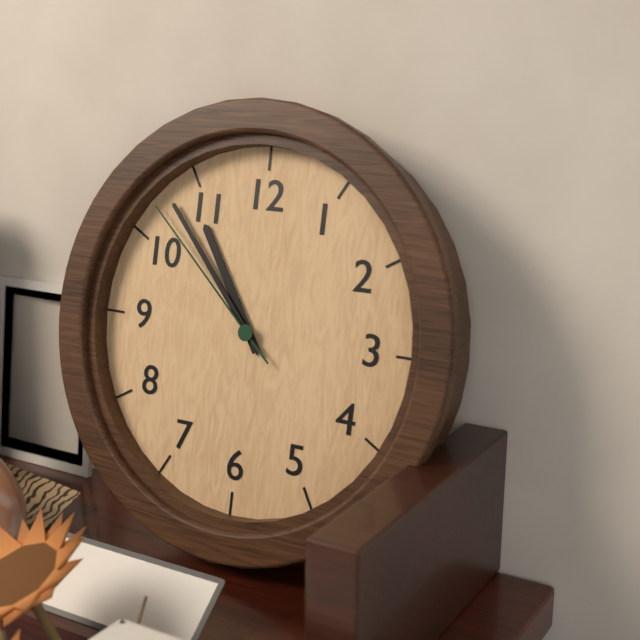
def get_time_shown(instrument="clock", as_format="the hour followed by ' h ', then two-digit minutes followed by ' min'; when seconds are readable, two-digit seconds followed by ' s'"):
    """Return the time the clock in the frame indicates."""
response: 10 h 53 min 52 s
